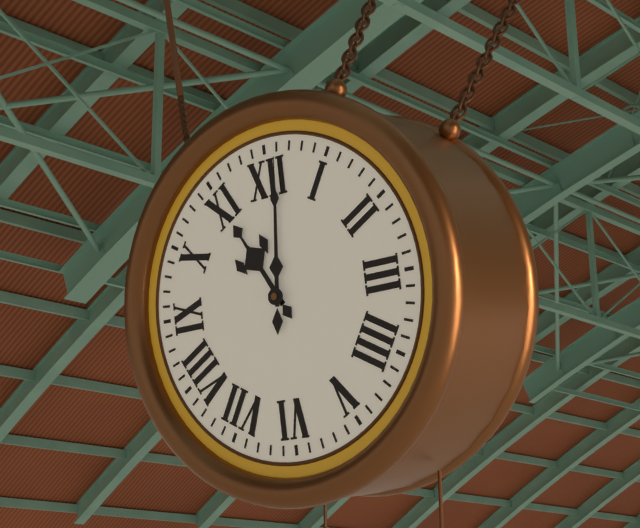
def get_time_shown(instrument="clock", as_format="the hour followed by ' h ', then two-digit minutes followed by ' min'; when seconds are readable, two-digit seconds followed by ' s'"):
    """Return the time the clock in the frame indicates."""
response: 11 h 01 min
